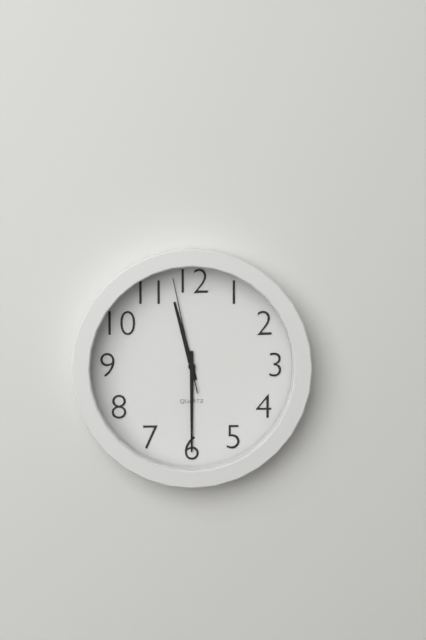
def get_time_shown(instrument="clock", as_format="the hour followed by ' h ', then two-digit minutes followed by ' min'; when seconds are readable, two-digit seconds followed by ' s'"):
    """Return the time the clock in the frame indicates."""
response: 11 h 30 min 58 s
